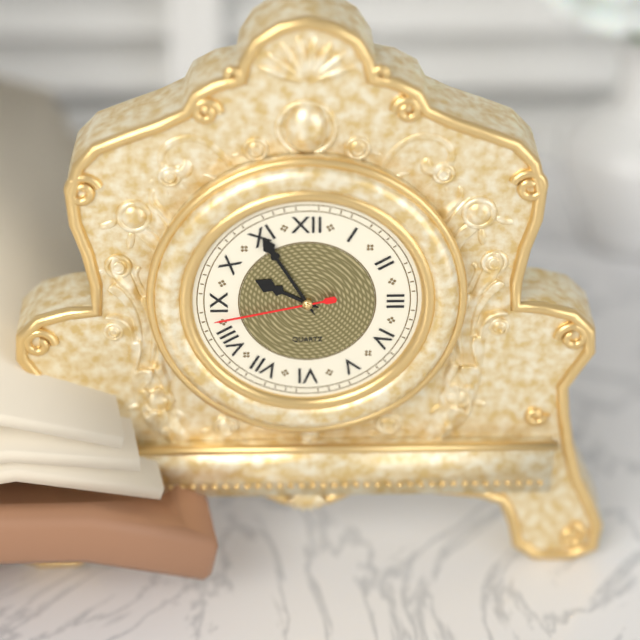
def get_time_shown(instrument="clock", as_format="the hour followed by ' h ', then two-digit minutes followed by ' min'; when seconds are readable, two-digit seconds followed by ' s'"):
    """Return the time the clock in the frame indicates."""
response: 9 h 55 min 43 s
